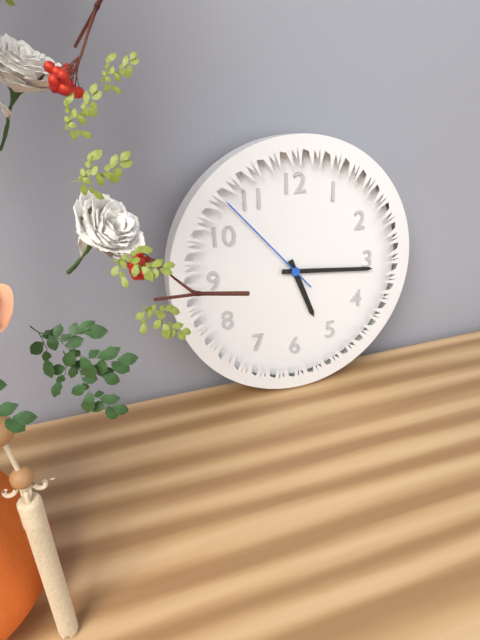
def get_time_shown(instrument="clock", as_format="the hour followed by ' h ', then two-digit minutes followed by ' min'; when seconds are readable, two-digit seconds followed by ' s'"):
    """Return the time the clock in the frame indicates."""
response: 5 h 16 min 53 s
